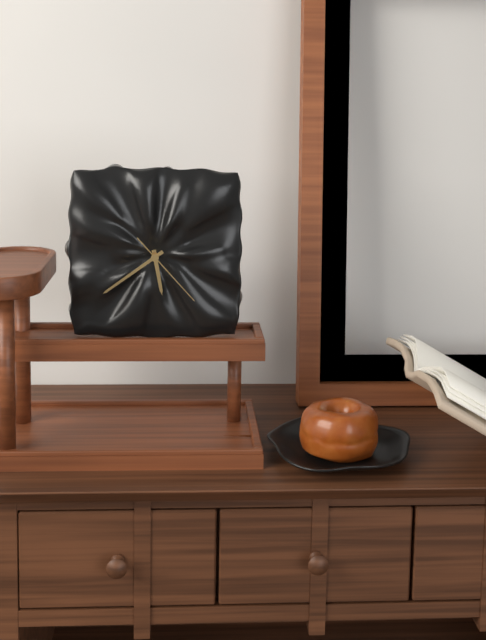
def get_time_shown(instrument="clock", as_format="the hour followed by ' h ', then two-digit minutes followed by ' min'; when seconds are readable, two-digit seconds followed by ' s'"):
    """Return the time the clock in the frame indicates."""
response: 5 h 39 min 23 s
